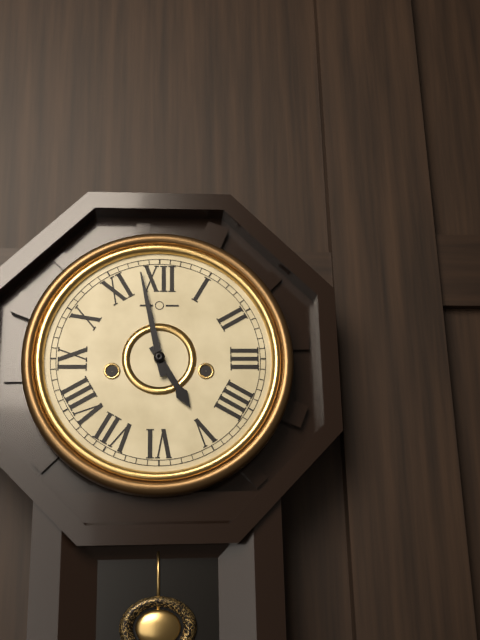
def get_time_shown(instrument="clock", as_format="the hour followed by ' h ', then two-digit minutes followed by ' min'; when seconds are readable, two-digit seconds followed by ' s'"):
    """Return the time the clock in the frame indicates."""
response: 4 h 58 min
